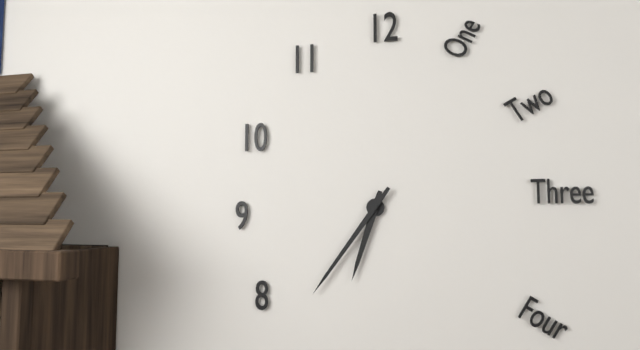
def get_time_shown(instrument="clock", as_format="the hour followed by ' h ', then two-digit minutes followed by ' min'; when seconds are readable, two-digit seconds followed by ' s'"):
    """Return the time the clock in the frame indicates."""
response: 6 h 36 min
